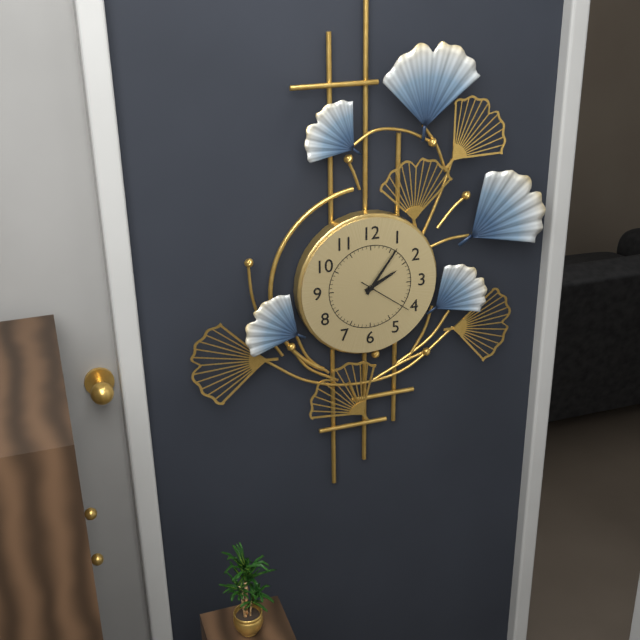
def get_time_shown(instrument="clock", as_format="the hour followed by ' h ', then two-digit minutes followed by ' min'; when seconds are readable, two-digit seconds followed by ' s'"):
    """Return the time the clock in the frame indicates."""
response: 2 h 06 min 21 s
